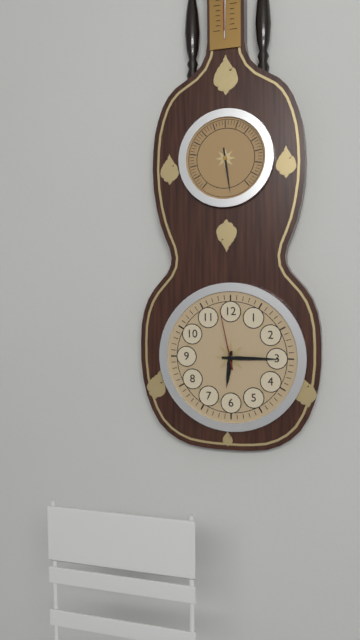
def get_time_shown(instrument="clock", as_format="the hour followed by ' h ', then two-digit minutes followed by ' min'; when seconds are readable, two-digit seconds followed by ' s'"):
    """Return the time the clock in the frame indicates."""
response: 6 h 15 min 58 s
